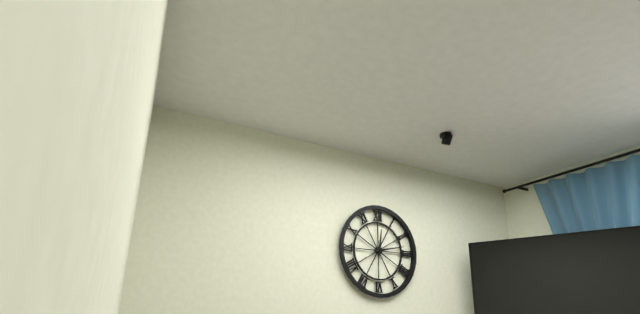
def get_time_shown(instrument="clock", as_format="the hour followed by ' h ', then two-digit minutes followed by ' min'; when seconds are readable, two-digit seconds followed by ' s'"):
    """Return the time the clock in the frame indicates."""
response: 12 h 13 min
